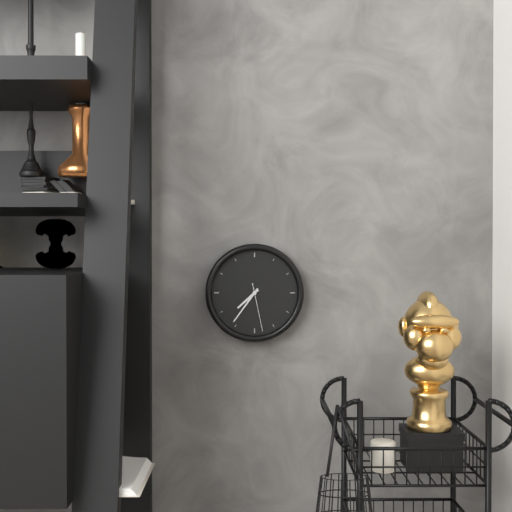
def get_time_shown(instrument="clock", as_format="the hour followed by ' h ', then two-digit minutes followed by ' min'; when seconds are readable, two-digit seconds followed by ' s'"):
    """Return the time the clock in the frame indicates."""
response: 7 h 36 min
